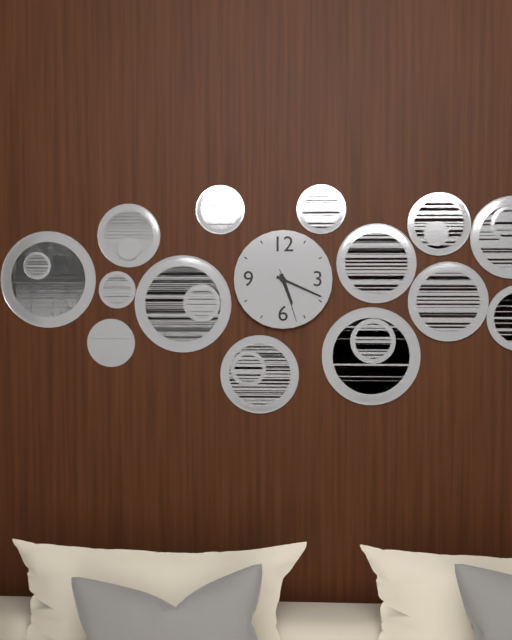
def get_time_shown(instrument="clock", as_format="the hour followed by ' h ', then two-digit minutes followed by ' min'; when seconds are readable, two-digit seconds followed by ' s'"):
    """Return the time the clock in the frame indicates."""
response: 5 h 19 min 27 s
